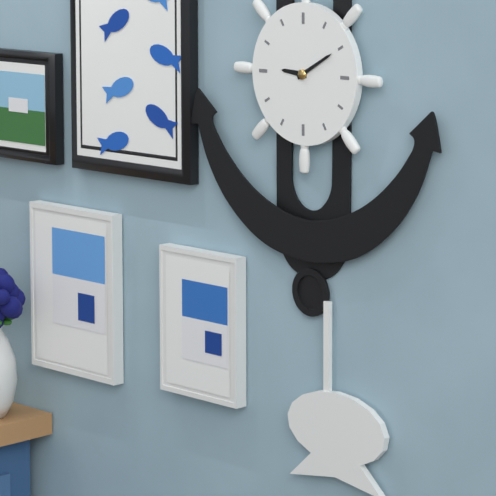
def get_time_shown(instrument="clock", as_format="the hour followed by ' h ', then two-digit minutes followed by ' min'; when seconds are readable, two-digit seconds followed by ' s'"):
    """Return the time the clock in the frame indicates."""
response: 9 h 10 min
